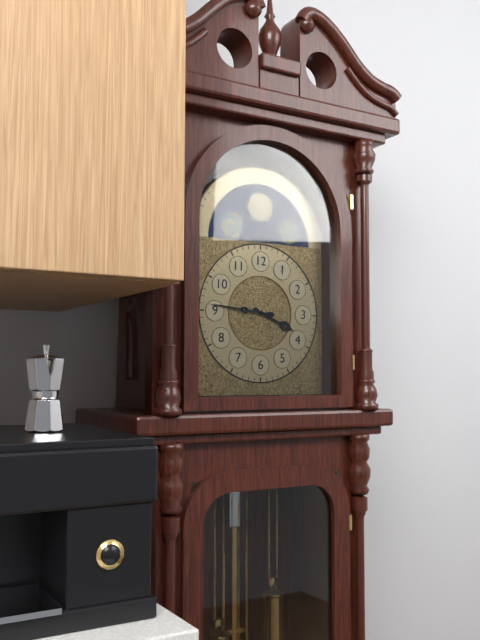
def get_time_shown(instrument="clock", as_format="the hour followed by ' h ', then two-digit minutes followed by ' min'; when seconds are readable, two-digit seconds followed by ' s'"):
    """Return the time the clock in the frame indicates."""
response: 3 h 46 min
